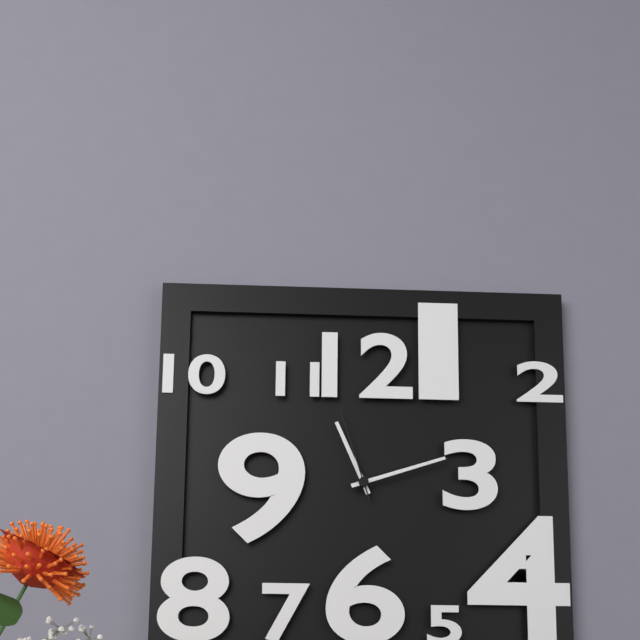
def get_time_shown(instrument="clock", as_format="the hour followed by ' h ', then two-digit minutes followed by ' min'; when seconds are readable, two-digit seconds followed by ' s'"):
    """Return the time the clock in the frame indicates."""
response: 11 h 12 min 57 s
